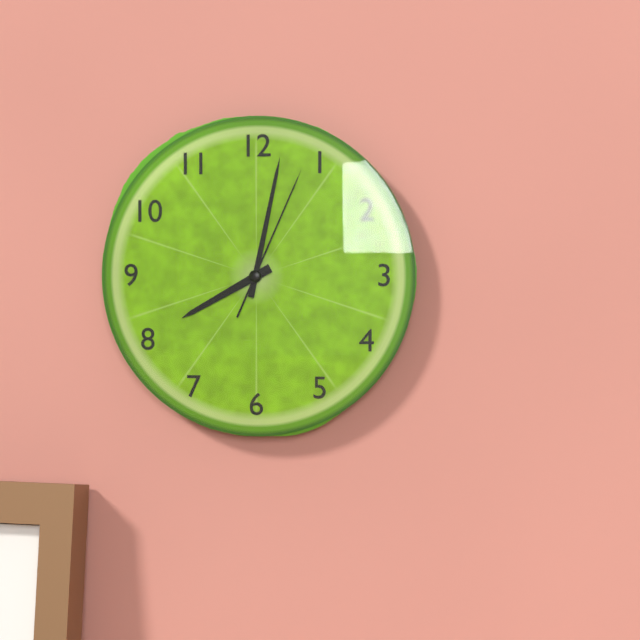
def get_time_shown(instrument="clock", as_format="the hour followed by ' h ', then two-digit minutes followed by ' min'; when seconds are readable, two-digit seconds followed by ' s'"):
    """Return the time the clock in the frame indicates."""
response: 8 h 02 min 04 s
